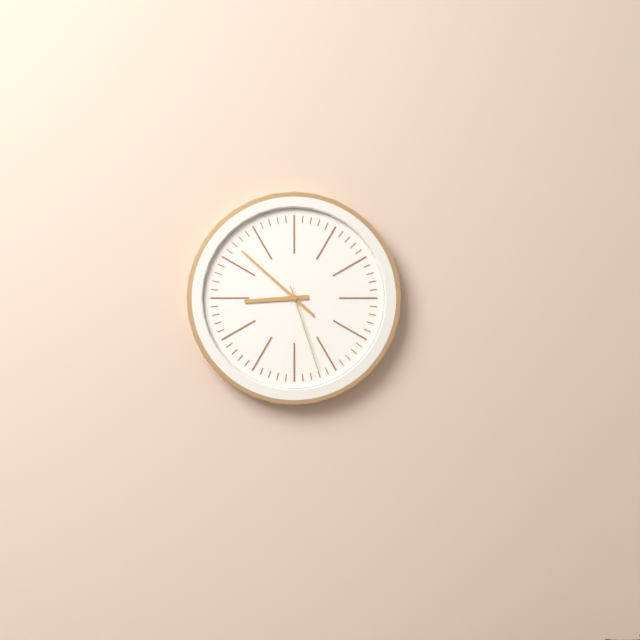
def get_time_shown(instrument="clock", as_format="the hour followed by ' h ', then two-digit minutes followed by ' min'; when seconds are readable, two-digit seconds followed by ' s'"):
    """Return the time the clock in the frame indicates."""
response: 8 h 52 min 27 s
